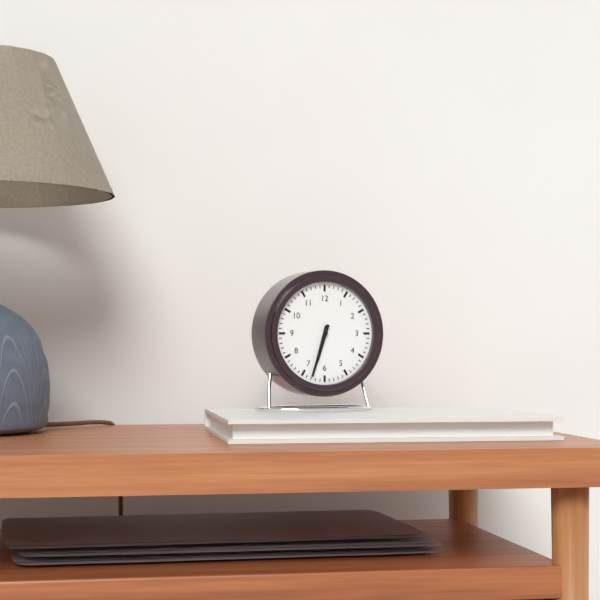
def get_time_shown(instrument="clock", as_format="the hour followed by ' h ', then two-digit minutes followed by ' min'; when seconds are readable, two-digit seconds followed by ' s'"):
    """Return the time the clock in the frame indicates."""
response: 6 h 33 min
